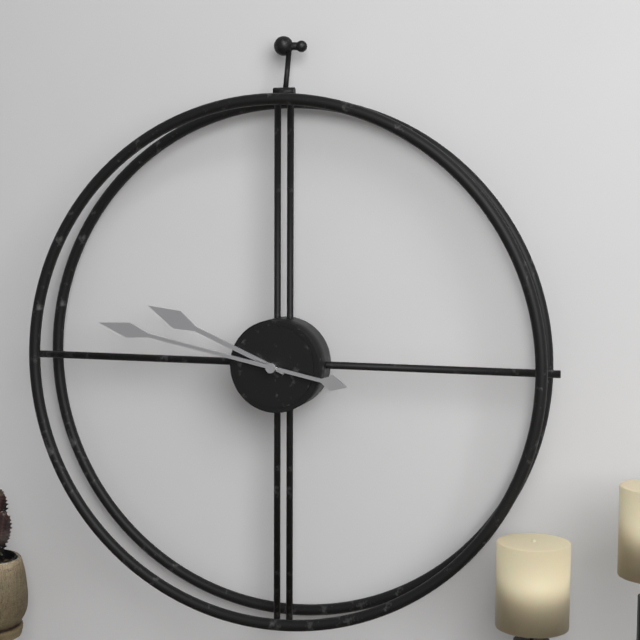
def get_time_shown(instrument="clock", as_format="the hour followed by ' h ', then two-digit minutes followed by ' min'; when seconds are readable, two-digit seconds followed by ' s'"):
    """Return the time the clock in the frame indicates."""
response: 9 h 47 min
